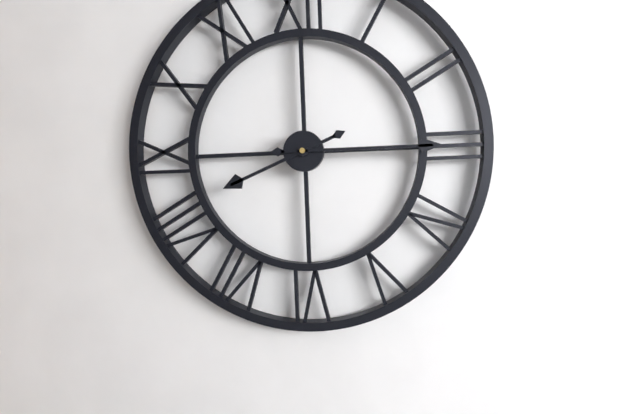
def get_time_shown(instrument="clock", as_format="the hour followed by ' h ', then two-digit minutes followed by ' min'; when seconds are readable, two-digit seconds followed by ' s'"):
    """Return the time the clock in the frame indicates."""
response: 8 h 15 min
